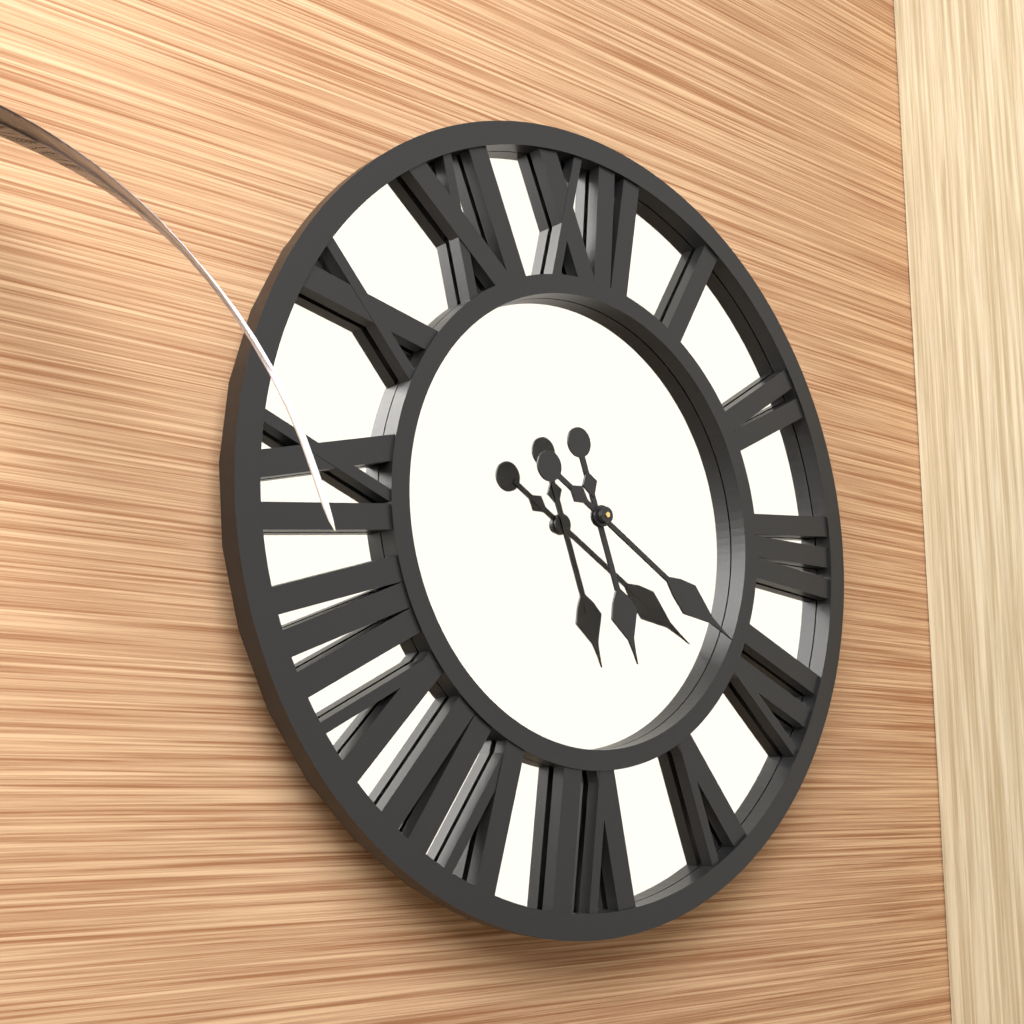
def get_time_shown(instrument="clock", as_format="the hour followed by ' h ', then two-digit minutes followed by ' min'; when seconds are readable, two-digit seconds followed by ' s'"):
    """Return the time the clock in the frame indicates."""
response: 5 h 20 min
